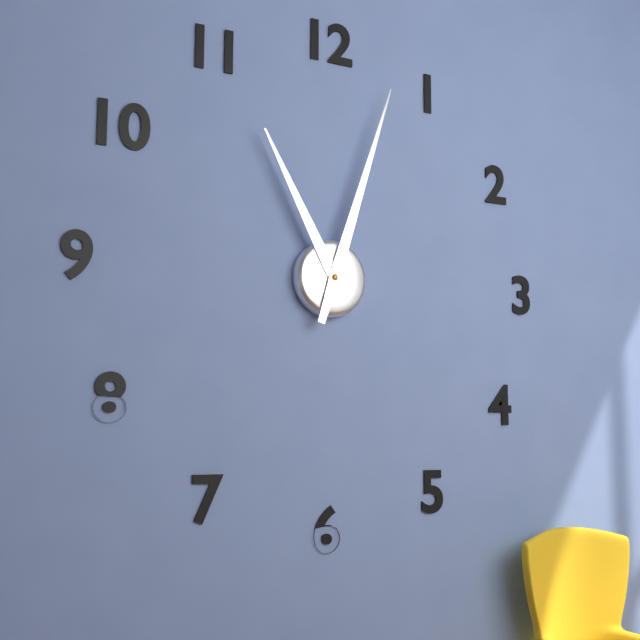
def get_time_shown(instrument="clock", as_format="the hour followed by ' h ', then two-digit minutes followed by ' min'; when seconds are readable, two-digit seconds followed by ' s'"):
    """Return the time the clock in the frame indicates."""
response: 11 h 03 min
